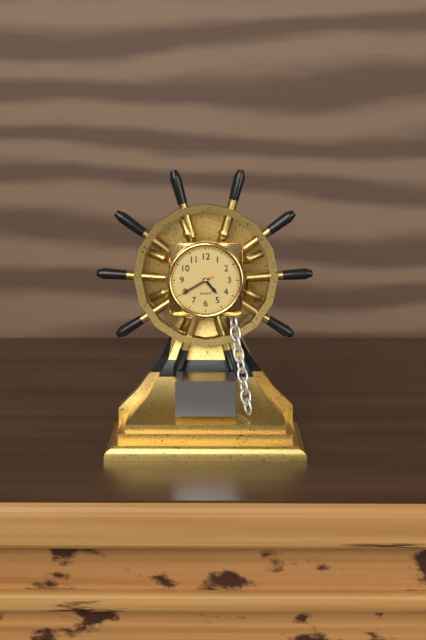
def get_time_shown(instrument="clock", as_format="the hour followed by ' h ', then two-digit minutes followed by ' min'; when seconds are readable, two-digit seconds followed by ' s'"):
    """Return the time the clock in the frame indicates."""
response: 4 h 40 min
